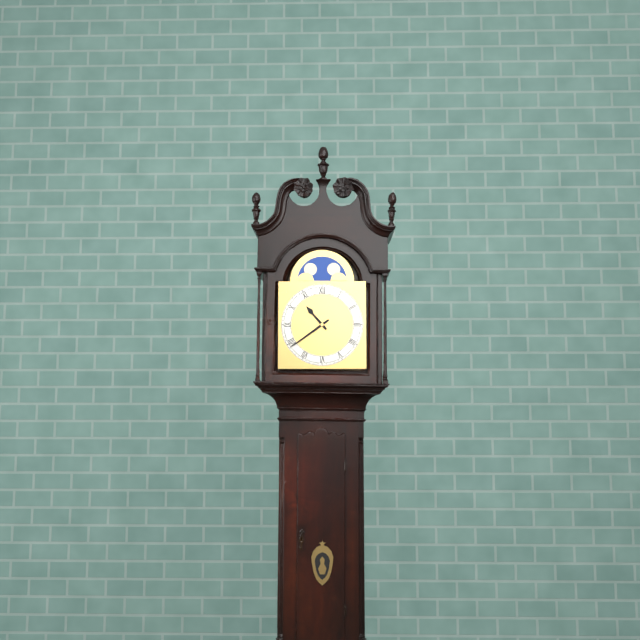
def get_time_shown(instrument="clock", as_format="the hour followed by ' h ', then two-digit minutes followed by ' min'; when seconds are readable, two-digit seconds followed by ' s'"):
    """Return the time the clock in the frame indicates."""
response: 10 h 39 min
